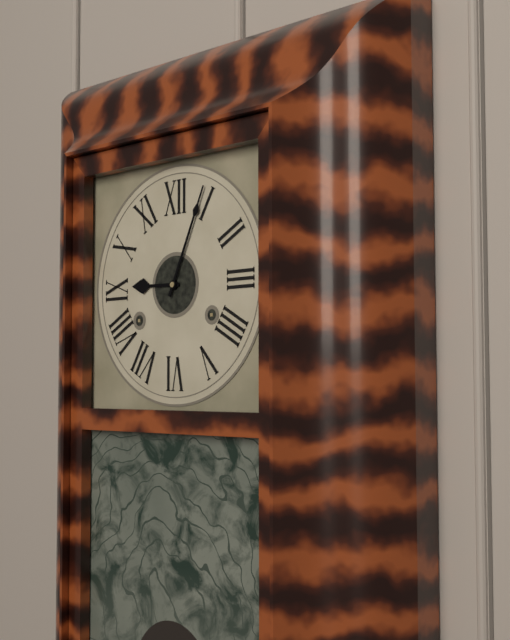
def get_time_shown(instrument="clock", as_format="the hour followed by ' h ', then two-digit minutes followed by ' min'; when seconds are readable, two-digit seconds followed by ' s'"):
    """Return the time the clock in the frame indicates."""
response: 9 h 04 min
